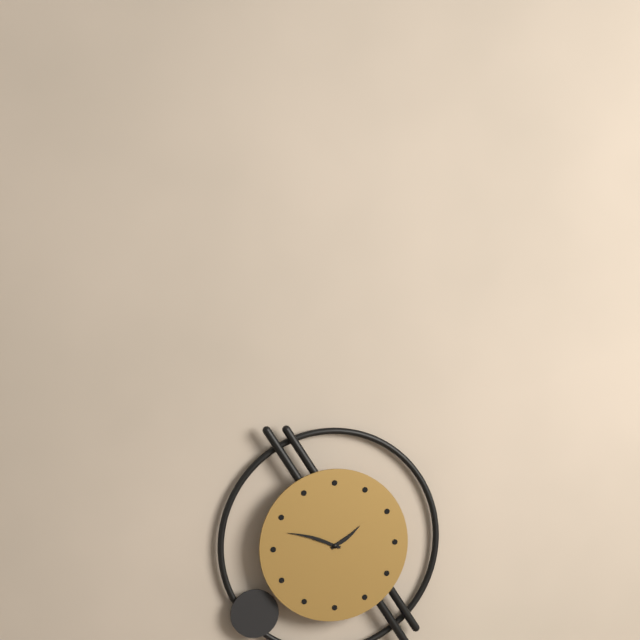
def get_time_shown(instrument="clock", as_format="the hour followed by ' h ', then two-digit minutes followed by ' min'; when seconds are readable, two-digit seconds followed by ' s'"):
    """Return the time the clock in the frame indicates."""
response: 1 h 48 min
